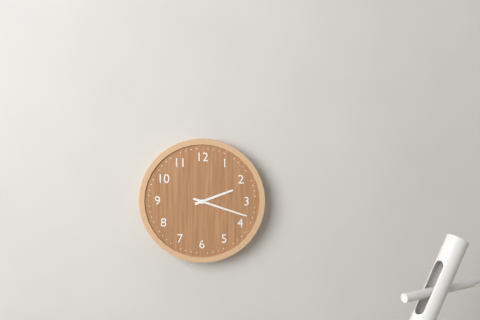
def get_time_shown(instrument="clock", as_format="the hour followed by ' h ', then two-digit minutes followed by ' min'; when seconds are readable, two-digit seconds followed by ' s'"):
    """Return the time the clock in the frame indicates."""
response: 2 h 18 min
